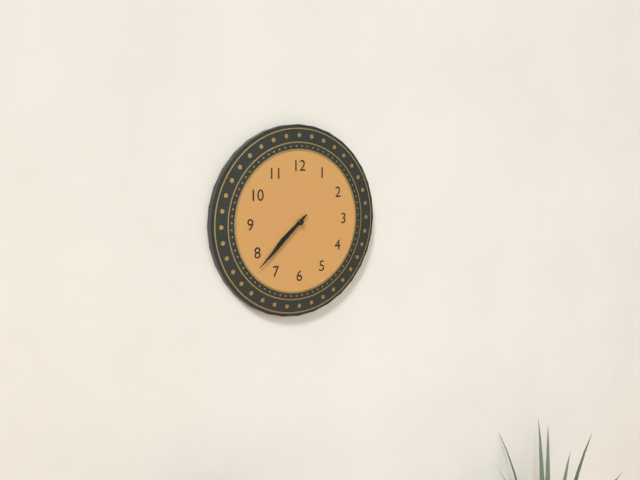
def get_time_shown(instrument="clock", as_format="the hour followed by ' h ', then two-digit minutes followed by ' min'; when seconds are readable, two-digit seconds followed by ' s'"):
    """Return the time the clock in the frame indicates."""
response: 7 h 38 min
